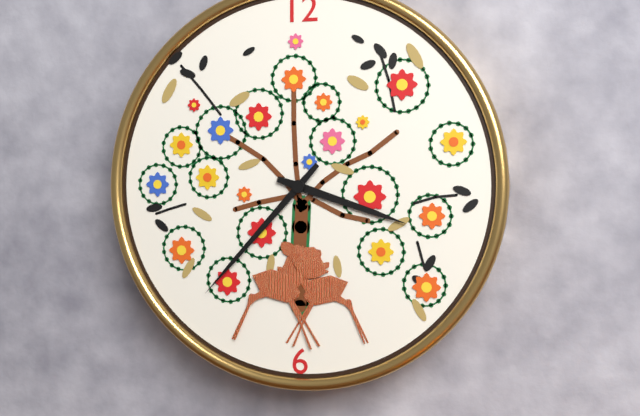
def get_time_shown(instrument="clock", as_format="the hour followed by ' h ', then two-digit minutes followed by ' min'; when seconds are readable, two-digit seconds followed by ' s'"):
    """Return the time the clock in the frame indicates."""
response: 3 h 37 min
